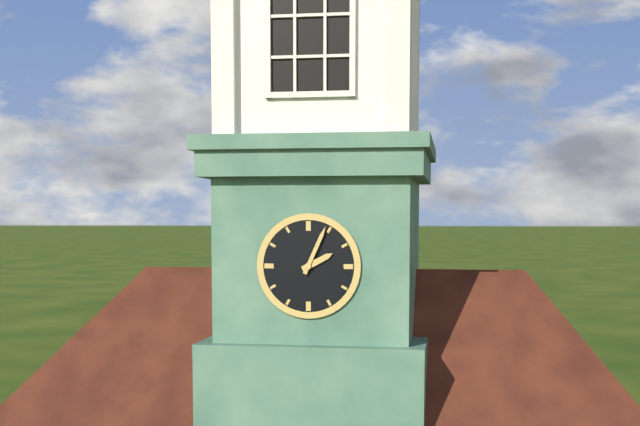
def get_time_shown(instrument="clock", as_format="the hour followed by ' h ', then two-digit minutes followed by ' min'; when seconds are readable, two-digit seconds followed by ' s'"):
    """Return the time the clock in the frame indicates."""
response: 2 h 04 min
